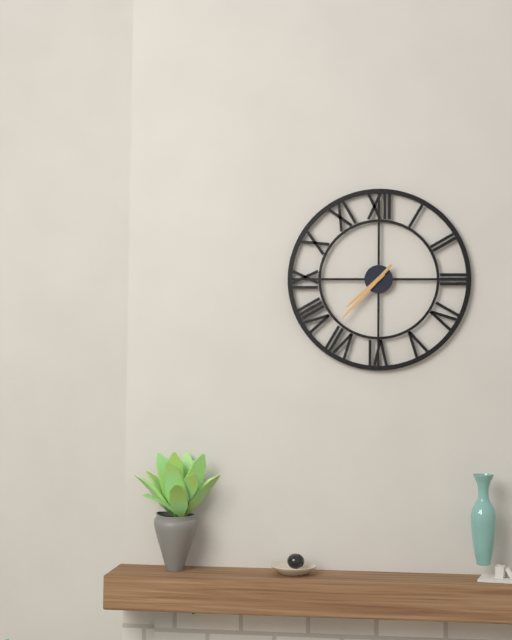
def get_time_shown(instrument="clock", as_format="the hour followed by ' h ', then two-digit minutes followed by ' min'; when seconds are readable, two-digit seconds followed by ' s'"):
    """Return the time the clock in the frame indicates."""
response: 7 h 37 min
